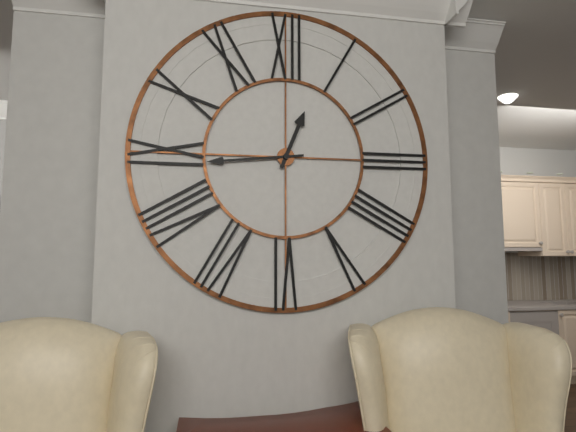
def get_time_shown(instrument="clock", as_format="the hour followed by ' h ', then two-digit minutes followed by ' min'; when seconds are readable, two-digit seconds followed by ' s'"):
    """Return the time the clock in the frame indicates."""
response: 12 h 44 min
